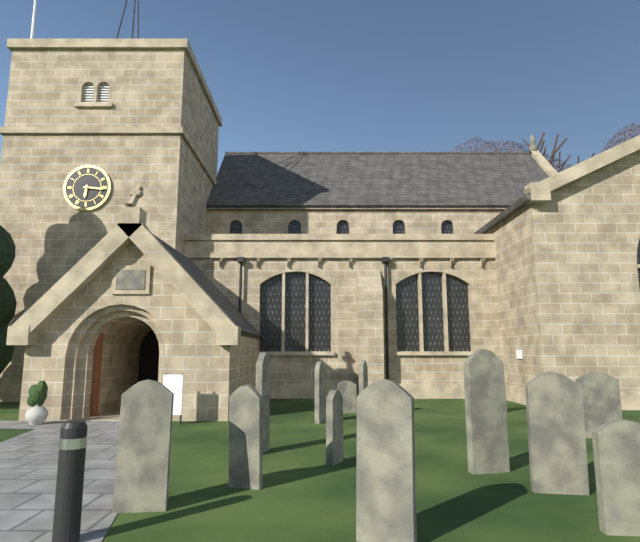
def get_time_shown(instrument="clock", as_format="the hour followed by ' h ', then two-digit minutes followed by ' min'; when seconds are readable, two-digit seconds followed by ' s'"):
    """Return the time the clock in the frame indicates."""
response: 6 h 16 min
